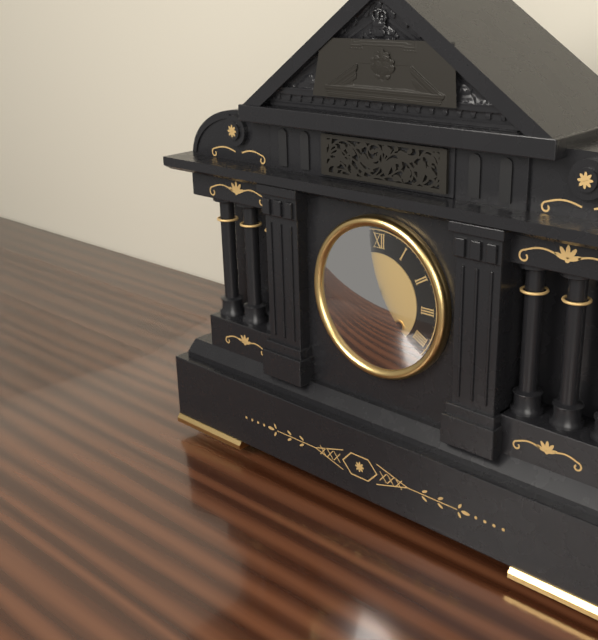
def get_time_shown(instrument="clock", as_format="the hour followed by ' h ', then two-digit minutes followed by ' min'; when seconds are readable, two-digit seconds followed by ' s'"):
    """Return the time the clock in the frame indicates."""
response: 6 h 32 min
